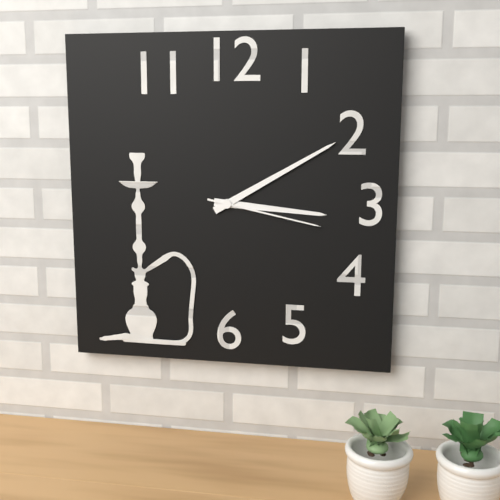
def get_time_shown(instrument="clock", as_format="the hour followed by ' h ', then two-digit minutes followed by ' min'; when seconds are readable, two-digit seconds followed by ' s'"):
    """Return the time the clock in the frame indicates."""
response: 3 h 10 min 17 s
